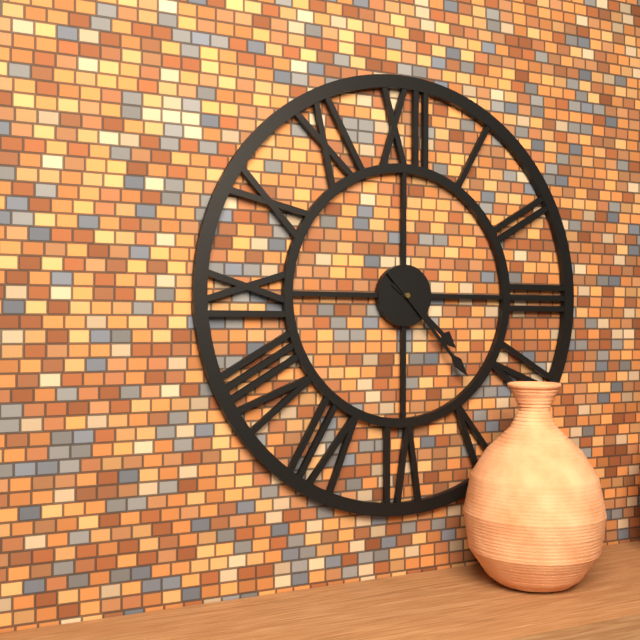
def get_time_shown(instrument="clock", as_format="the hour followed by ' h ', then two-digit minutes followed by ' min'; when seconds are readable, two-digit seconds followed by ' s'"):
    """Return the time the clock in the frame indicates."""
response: 4 h 23 min
